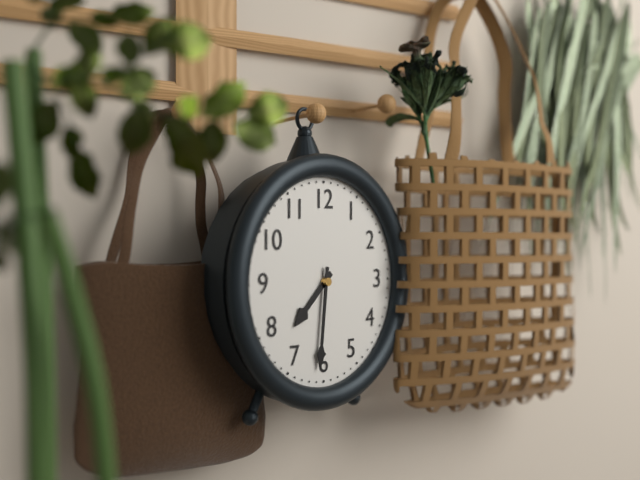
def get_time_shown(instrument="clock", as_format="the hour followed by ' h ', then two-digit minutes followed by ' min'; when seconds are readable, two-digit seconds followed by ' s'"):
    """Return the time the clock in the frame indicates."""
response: 7 h 31 min
